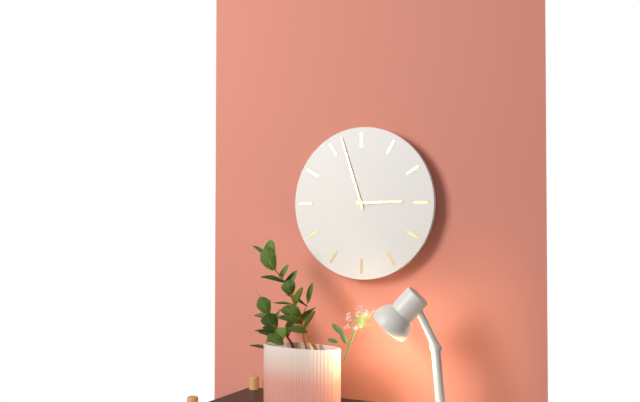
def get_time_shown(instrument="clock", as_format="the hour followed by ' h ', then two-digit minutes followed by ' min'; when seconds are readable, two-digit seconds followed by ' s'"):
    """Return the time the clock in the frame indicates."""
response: 2 h 57 min
